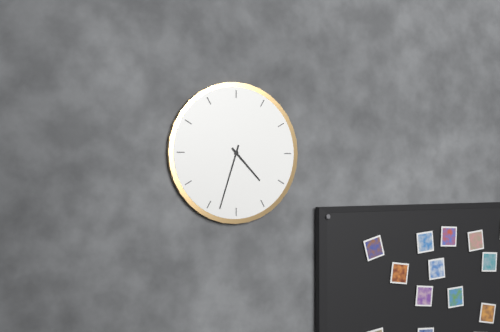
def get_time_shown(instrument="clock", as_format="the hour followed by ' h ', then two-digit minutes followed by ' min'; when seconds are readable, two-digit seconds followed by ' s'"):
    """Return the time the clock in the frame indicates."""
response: 4 h 33 min
